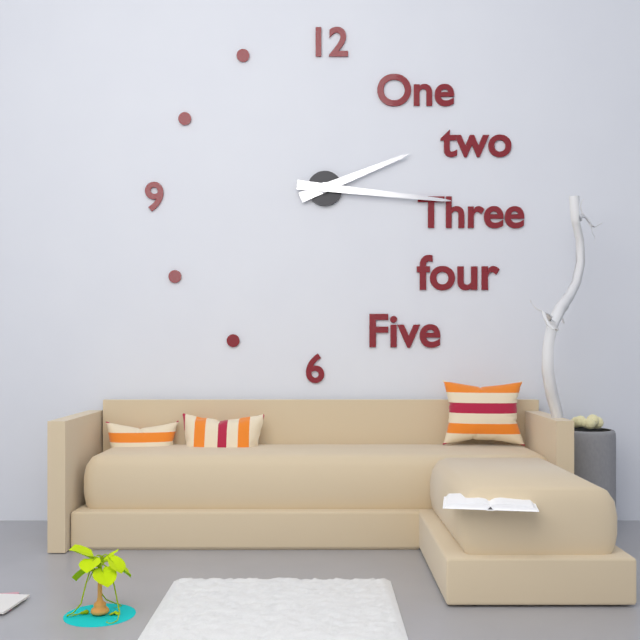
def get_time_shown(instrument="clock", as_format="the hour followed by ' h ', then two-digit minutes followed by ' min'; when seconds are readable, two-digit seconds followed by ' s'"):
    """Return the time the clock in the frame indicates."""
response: 2 h 16 min
